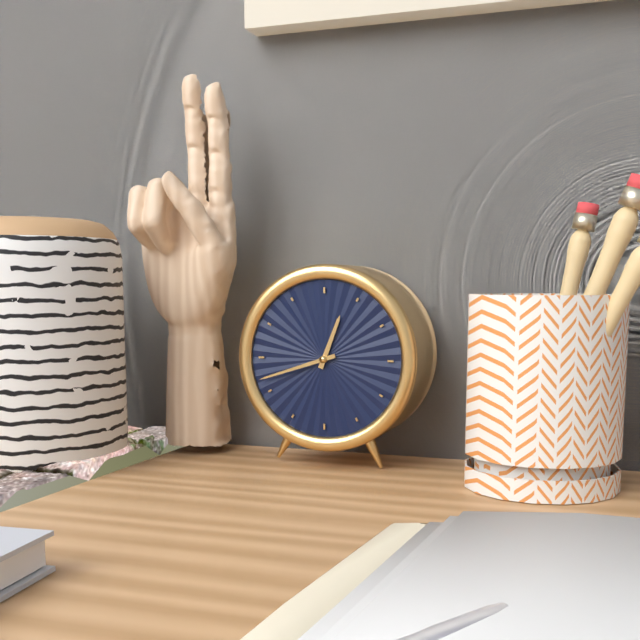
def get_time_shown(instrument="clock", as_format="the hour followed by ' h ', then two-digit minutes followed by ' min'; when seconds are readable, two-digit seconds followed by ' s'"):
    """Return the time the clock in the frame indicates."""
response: 12 h 42 min
